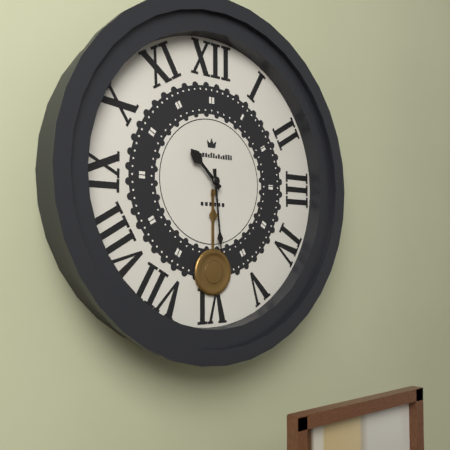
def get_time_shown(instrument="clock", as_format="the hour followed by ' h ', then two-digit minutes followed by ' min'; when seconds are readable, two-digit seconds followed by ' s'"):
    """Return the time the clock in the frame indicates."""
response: 10 h 29 min
